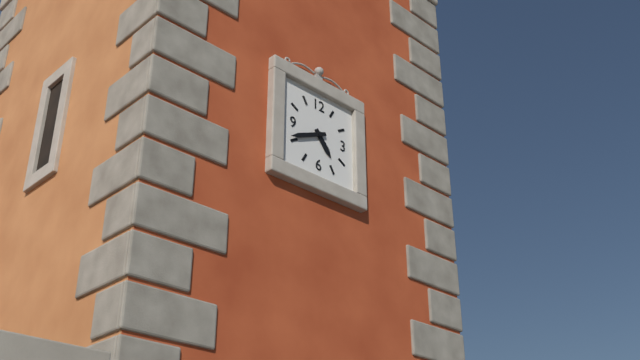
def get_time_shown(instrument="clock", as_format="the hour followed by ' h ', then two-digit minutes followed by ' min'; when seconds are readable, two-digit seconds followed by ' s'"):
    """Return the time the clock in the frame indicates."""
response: 4 h 41 min
